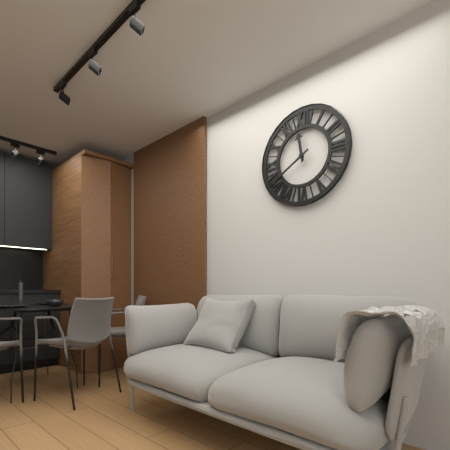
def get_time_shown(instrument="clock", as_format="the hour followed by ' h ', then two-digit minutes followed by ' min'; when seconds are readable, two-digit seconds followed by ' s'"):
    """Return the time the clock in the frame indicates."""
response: 11 h 40 min
